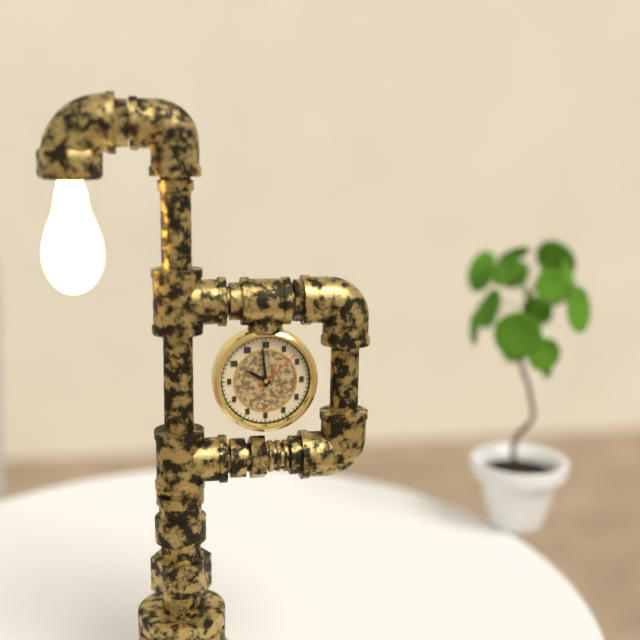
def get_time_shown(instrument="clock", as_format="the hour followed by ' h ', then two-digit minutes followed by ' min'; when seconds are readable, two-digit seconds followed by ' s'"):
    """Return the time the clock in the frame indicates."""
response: 9 h 59 min
